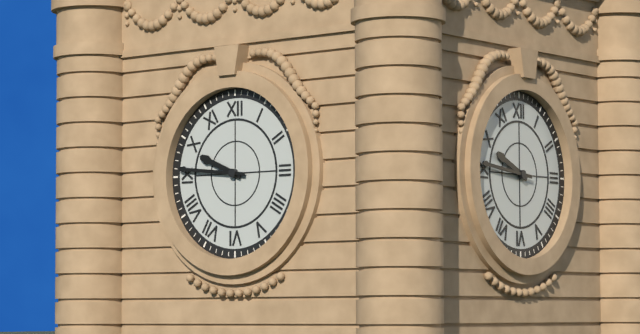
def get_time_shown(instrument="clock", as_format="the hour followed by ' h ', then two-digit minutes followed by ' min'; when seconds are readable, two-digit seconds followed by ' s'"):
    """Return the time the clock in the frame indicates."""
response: 9 h 46 min
